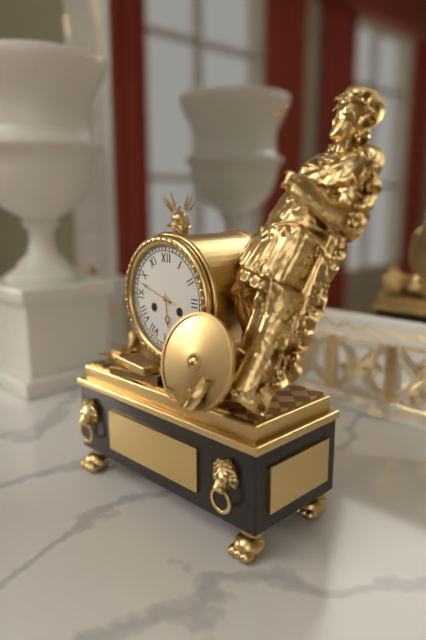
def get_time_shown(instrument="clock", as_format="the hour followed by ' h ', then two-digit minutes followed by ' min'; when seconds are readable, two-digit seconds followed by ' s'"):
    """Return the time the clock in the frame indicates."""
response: 5 h 48 min
